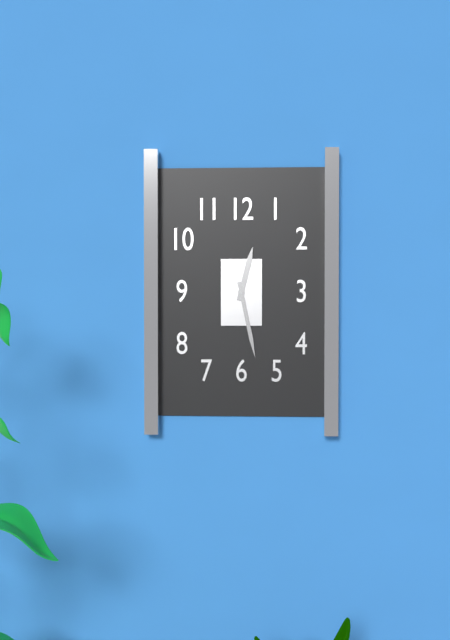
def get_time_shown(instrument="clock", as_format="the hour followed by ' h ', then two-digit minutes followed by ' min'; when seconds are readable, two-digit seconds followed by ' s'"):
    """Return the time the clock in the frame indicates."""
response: 12 h 28 min
